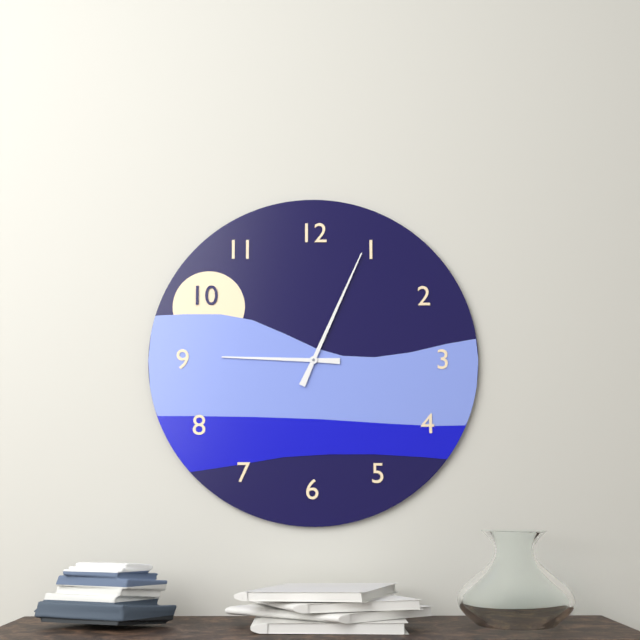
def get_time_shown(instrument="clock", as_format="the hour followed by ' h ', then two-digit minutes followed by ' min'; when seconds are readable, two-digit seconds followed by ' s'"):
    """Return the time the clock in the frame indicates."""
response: 9 h 04 min
